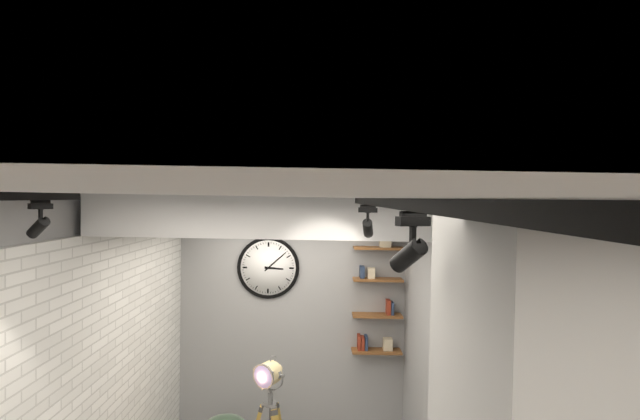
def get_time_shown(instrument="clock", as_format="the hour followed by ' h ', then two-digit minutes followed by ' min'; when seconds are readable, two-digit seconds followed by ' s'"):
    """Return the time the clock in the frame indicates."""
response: 3 h 08 min
